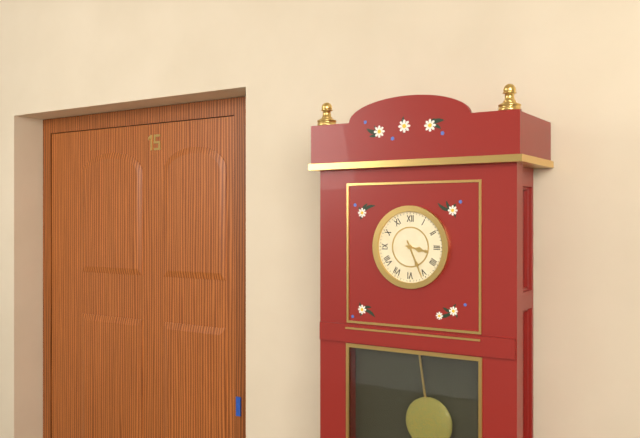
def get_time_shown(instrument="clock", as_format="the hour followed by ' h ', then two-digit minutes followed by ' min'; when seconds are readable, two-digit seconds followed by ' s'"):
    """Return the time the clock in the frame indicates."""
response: 3 h 26 min
